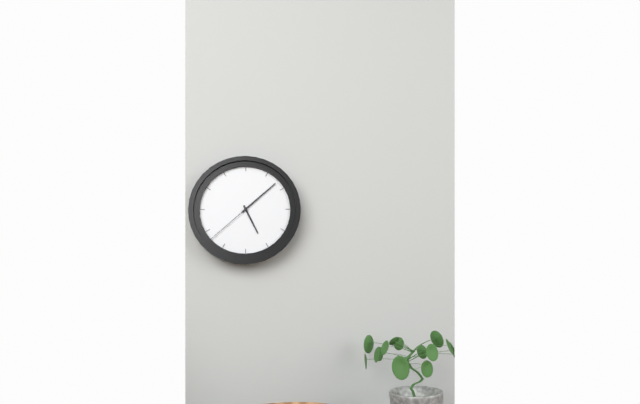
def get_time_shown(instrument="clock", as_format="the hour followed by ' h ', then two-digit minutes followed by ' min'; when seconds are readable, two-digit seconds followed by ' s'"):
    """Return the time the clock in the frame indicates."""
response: 5 h 08 min 38 s
